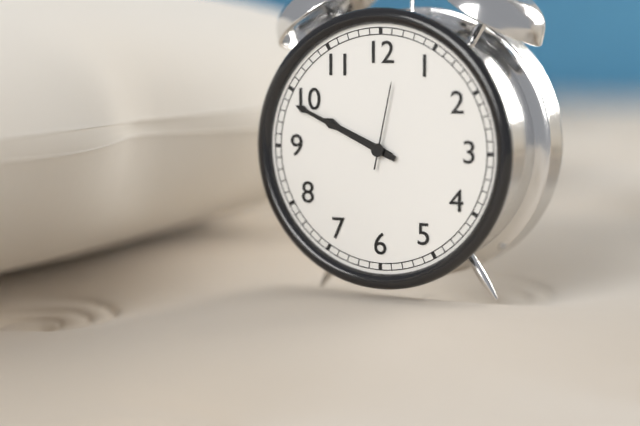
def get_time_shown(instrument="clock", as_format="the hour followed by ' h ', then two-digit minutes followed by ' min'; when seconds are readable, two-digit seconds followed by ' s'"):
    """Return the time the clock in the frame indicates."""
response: 9 h 49 min 02 s
